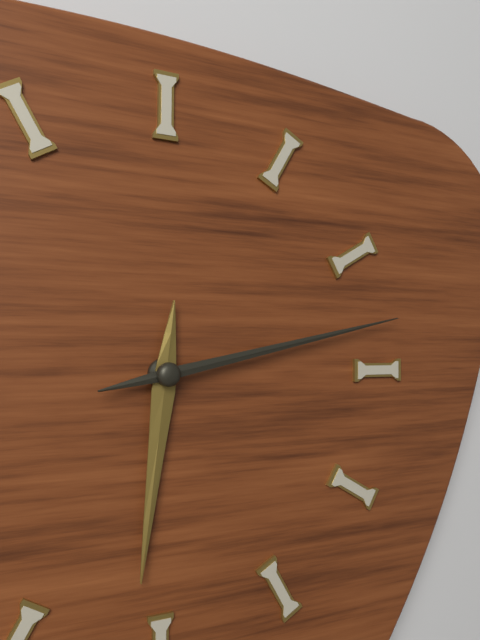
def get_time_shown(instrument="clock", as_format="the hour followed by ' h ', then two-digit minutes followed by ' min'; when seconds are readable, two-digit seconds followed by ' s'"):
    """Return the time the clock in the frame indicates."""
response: 6 h 13 min
